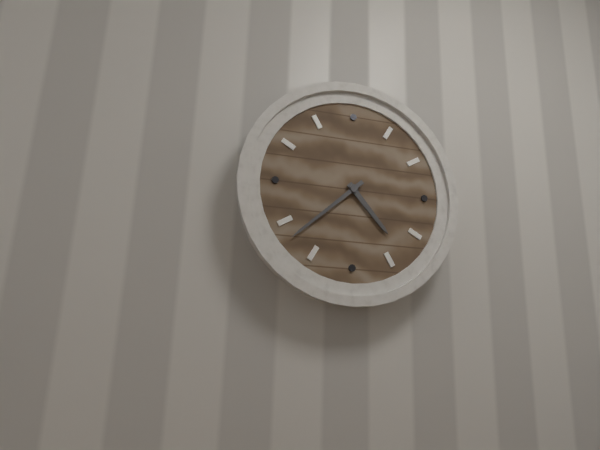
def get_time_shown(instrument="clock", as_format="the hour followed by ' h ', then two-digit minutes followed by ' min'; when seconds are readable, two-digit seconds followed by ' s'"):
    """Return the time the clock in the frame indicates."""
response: 4 h 38 min
